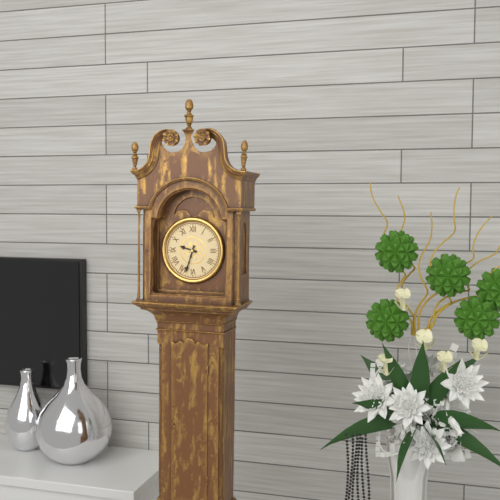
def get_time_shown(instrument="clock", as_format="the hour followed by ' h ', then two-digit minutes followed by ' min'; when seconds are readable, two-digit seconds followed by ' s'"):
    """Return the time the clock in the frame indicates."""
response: 9 h 33 min
